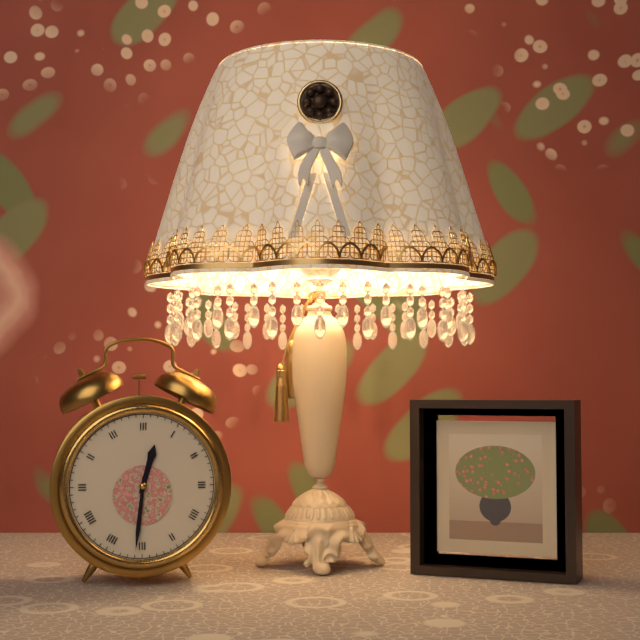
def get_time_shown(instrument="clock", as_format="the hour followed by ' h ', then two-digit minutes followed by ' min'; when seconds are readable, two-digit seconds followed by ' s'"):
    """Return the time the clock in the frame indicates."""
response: 12 h 31 min
